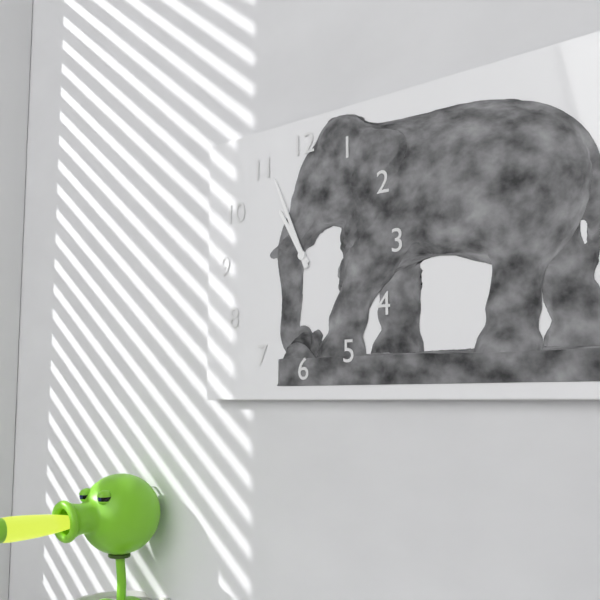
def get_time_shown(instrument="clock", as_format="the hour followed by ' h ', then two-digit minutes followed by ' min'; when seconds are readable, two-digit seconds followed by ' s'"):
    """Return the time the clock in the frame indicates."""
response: 10 h 56 min
